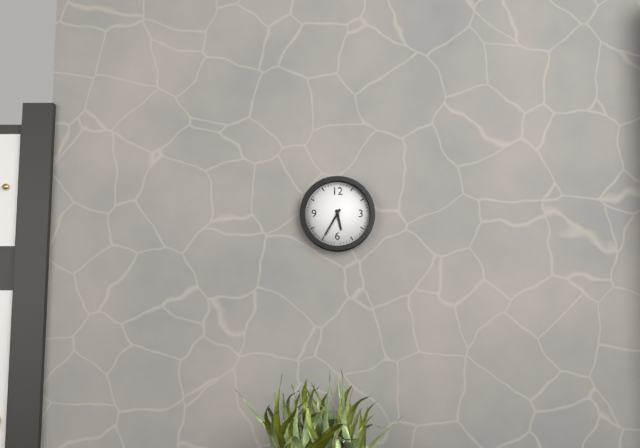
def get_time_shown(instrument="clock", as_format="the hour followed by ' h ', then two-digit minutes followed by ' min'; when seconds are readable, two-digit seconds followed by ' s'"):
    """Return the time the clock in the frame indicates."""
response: 5 h 35 min
